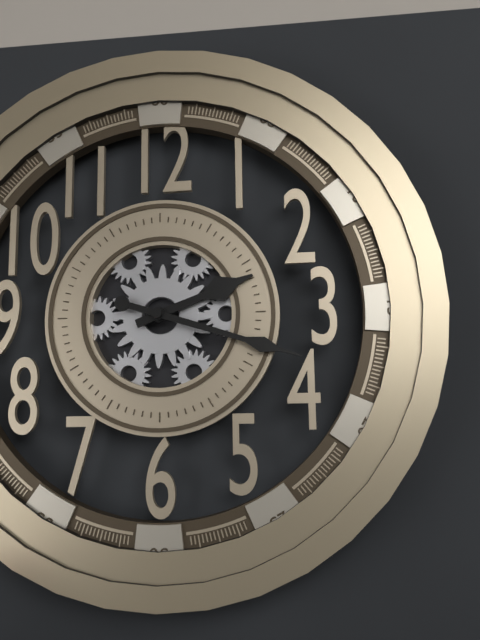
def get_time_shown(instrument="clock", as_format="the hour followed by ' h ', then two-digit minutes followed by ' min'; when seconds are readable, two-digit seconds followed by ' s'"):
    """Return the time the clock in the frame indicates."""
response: 2 h 18 min
